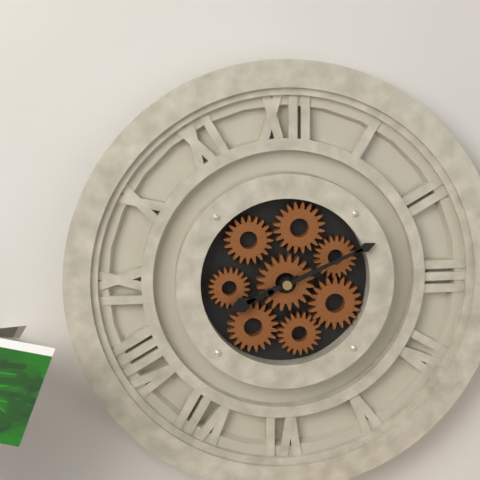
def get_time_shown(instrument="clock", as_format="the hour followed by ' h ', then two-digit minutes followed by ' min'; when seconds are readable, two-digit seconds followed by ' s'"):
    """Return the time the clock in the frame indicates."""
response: 8 h 11 min
